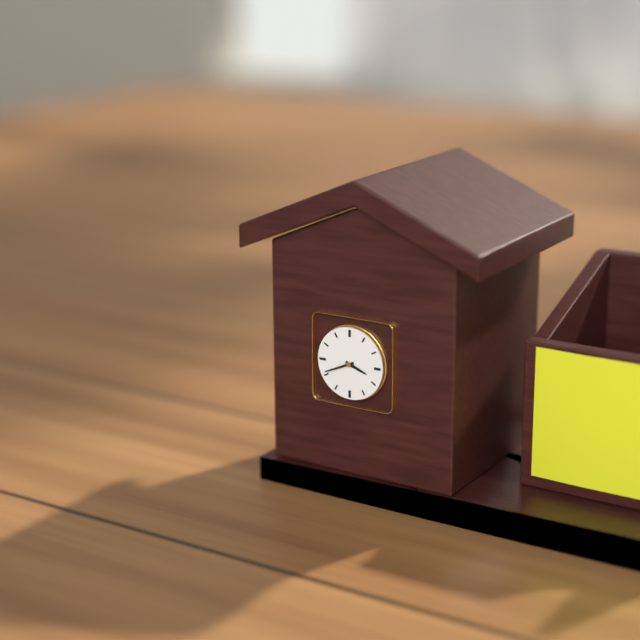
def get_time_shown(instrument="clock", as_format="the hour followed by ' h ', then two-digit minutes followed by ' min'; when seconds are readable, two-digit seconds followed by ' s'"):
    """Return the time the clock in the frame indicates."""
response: 3 h 41 min
